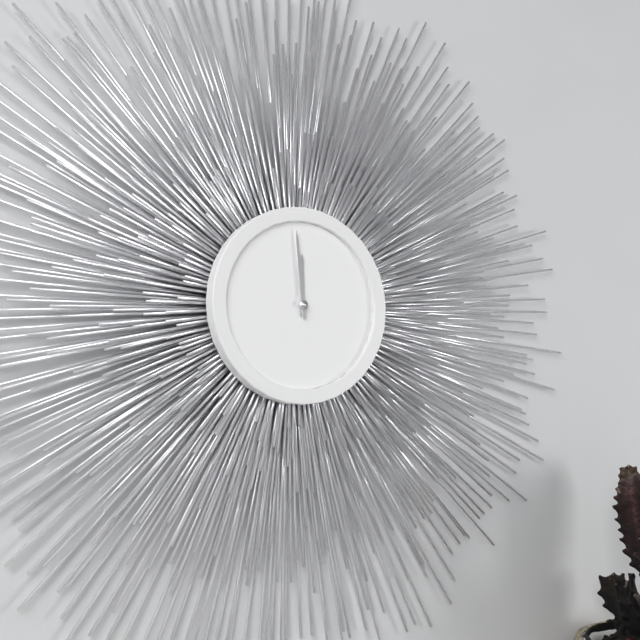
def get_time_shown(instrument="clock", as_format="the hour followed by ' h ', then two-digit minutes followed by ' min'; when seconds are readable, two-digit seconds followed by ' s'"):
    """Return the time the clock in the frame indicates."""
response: 11 h 59 min
